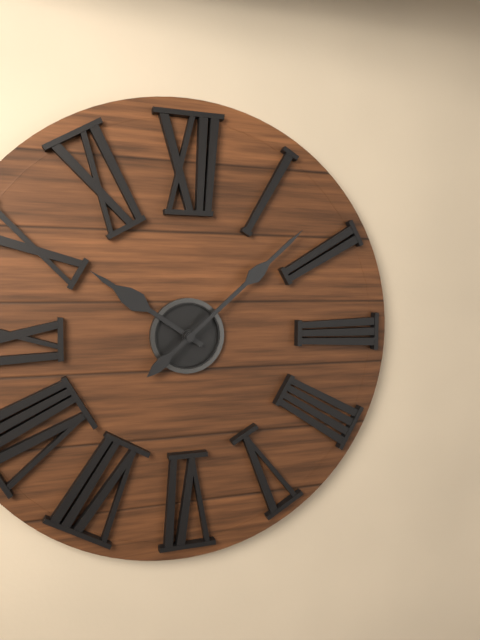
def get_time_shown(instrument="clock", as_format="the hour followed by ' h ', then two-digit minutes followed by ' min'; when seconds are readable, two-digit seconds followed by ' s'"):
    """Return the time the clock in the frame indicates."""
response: 10 h 08 min
